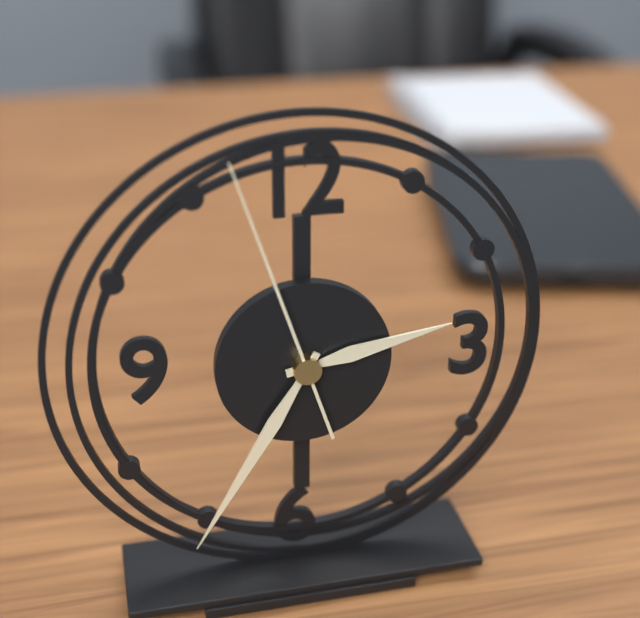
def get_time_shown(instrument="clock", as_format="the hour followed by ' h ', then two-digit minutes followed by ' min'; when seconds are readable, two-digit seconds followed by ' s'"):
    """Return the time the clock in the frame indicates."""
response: 2 h 35 min 57 s
